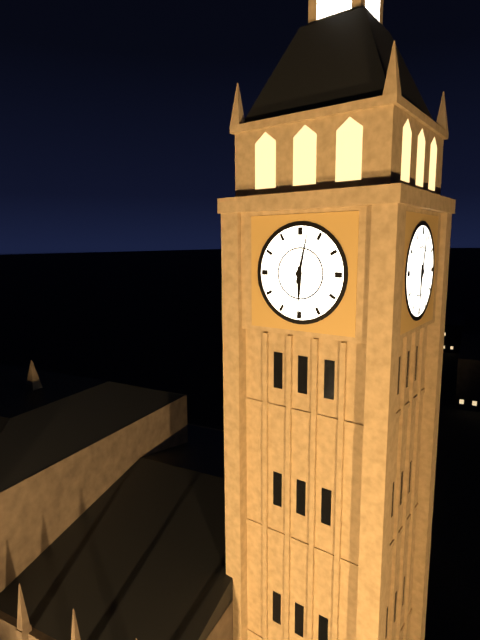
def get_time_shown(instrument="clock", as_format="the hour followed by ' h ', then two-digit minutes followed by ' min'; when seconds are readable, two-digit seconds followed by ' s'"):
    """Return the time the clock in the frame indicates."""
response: 6 h 02 min
